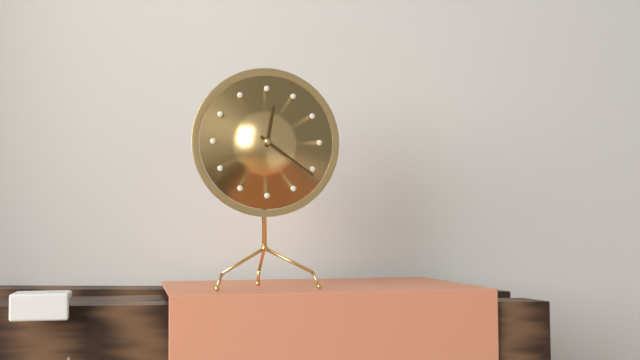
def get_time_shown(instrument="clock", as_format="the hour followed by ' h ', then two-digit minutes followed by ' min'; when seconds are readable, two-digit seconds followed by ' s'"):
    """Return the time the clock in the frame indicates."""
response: 12 h 21 min
